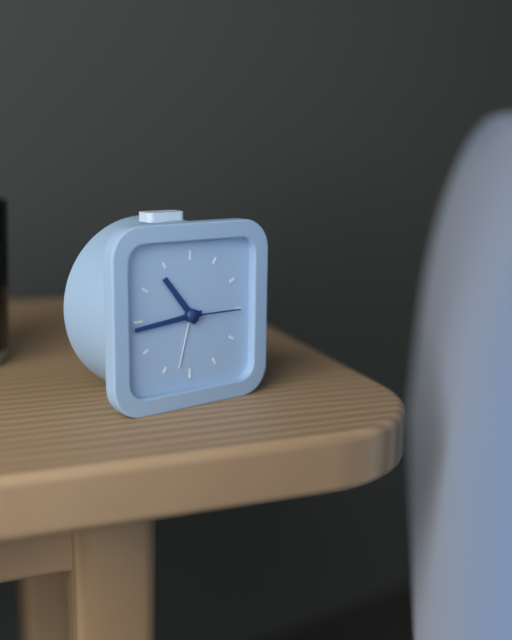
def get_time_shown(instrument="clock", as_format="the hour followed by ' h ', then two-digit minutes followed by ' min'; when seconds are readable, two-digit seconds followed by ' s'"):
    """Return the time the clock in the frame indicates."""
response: 10 h 44 min 15 s
